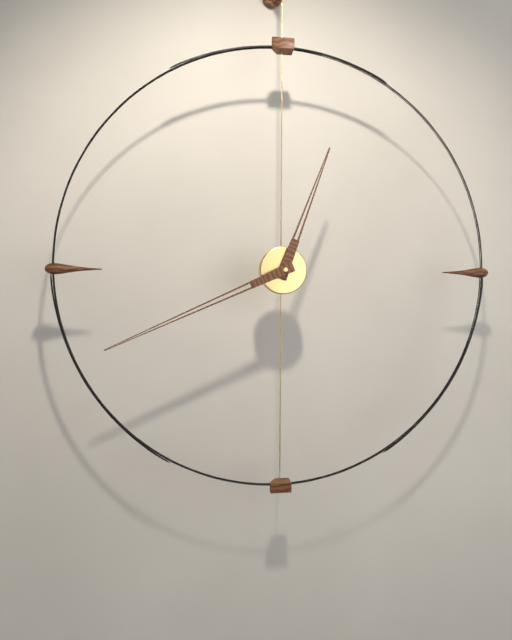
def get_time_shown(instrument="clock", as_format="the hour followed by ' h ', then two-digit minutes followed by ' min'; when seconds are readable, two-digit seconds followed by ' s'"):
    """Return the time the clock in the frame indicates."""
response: 12 h 41 min
